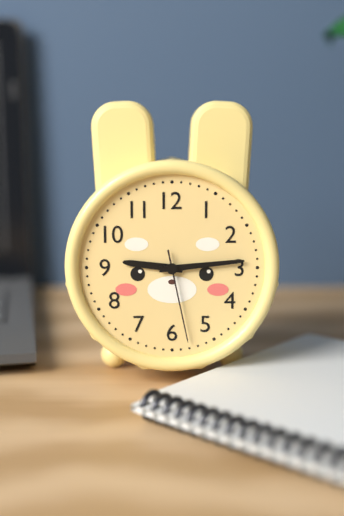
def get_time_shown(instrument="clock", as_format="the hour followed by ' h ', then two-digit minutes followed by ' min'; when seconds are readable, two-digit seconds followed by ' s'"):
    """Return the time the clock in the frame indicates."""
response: 9 h 14 min 28 s
